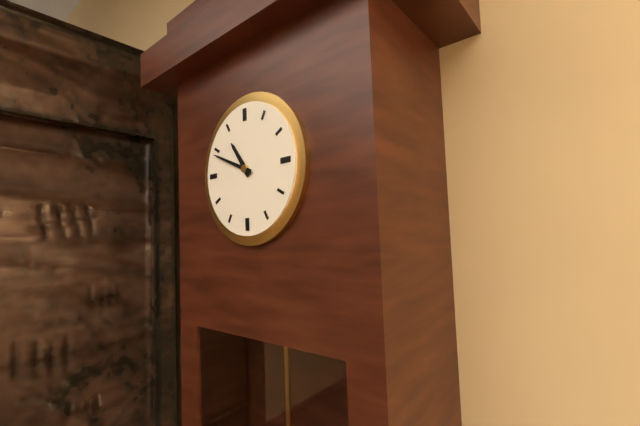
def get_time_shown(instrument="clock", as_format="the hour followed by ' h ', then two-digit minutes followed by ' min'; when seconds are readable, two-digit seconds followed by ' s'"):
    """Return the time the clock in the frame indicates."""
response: 10 h 49 min
